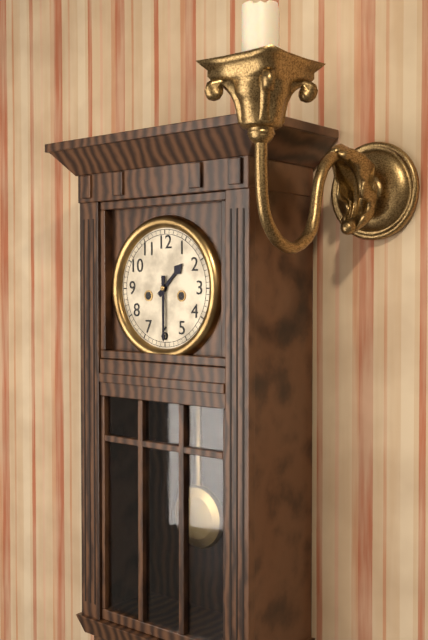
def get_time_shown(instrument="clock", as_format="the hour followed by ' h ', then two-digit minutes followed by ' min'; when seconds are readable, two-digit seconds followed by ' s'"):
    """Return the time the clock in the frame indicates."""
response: 1 h 30 min
